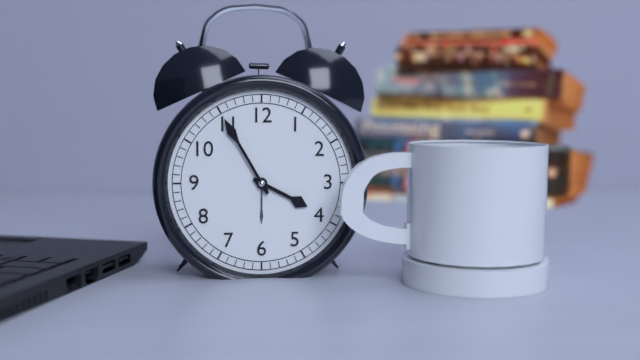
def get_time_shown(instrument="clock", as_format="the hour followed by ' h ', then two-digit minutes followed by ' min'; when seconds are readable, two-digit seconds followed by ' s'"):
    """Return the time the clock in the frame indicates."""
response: 3 h 55 min
